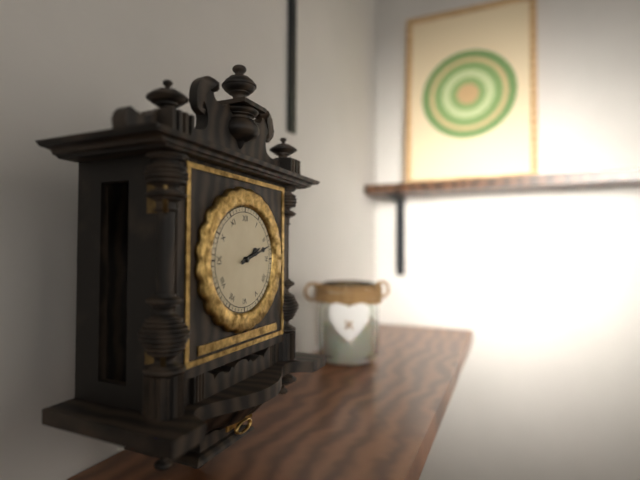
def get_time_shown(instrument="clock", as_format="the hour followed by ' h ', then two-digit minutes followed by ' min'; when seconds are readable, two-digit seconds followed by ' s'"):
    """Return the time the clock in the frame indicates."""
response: 2 h 12 min
